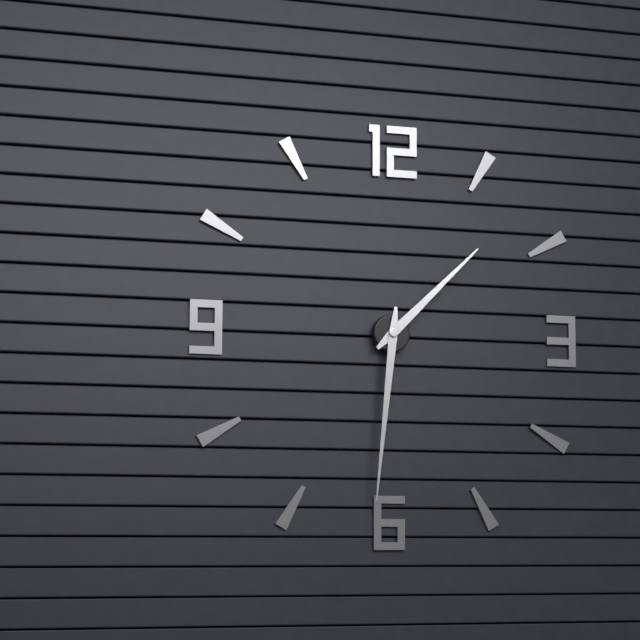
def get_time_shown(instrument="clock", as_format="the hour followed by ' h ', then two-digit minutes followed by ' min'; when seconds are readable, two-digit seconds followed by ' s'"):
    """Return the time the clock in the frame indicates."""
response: 1 h 31 min
